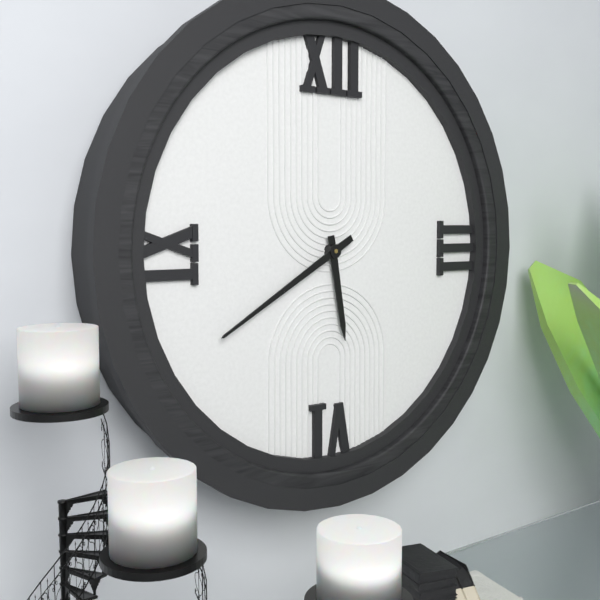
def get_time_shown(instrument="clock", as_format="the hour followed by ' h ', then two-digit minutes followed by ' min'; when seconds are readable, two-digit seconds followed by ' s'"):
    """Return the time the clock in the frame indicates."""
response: 5 h 40 min
